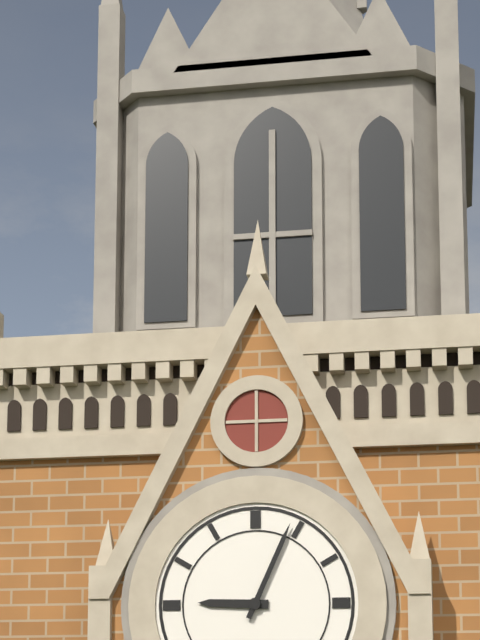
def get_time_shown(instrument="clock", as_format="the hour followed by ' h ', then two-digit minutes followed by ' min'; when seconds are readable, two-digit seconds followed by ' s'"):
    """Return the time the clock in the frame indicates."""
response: 9 h 04 min
